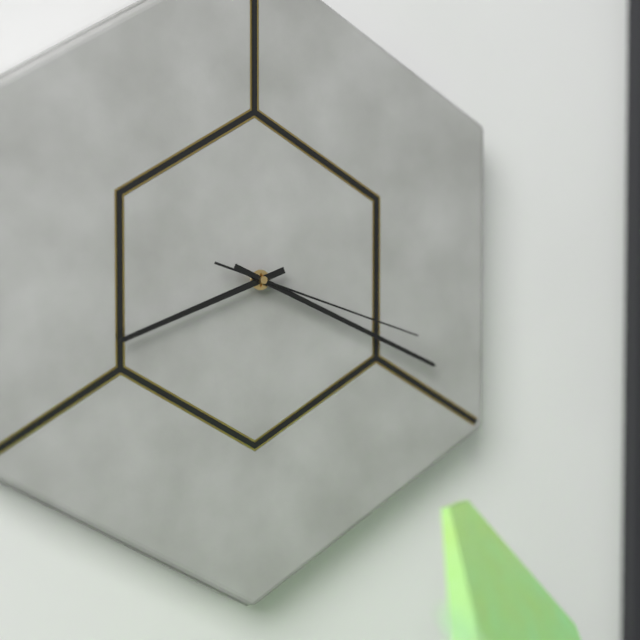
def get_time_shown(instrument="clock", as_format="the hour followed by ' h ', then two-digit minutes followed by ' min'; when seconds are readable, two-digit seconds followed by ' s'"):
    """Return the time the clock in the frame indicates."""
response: 8 h 19 min 18 s
